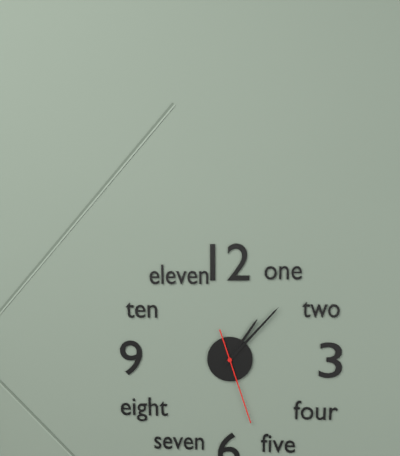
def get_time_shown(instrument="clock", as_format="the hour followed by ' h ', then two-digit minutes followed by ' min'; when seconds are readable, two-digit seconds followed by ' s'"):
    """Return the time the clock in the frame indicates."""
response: 1 h 07 min 27 s
